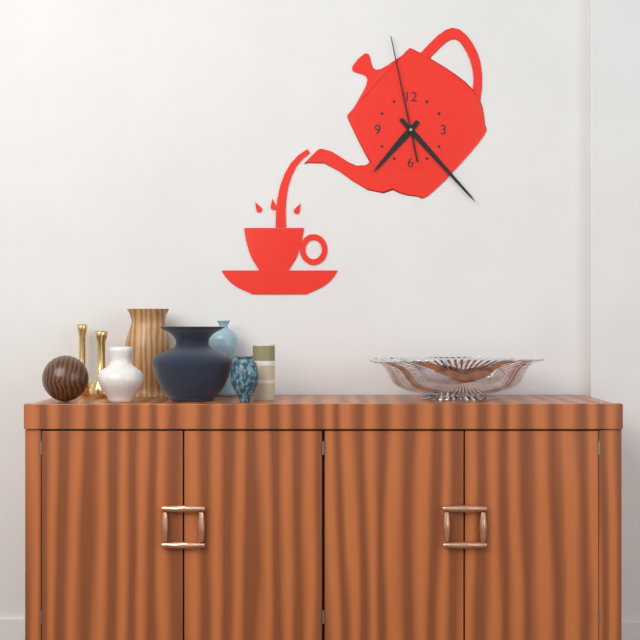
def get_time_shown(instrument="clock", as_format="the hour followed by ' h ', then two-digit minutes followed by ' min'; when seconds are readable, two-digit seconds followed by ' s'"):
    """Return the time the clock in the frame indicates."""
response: 7 h 23 min 58 s
